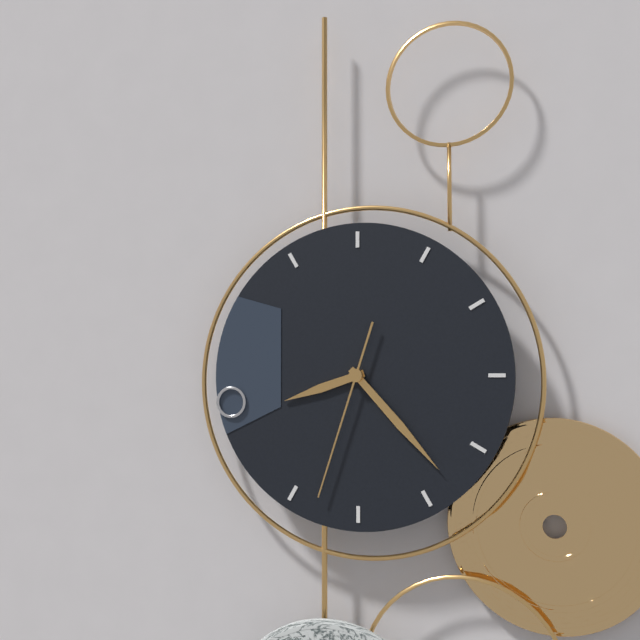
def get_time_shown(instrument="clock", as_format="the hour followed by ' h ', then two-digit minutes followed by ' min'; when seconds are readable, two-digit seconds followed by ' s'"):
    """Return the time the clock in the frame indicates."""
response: 8 h 23 min 33 s
